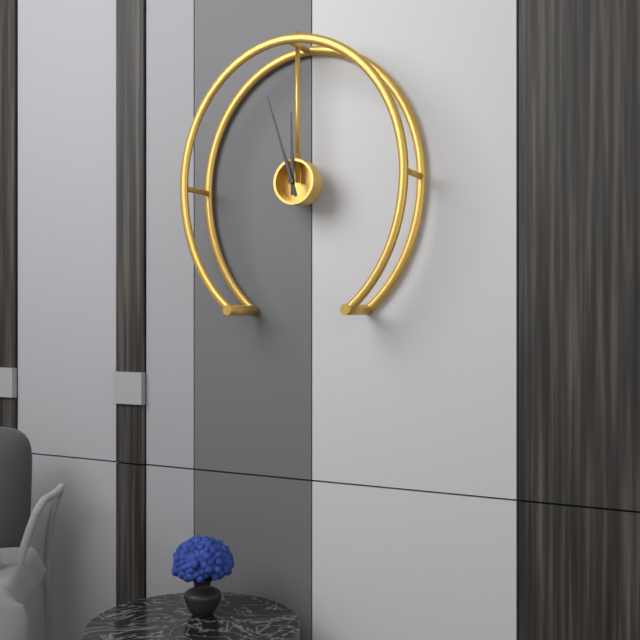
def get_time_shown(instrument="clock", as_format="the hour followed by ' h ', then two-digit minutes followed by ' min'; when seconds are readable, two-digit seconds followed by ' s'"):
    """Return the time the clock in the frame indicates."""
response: 11 h 57 min
